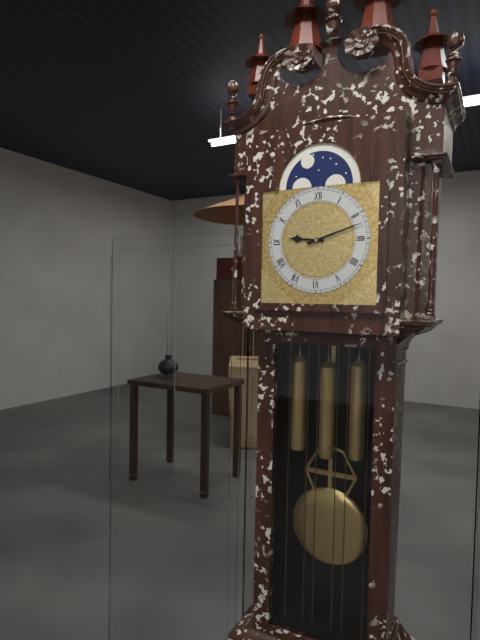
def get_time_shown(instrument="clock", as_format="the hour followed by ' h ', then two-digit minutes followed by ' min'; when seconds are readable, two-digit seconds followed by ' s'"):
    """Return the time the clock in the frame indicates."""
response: 9 h 12 min
